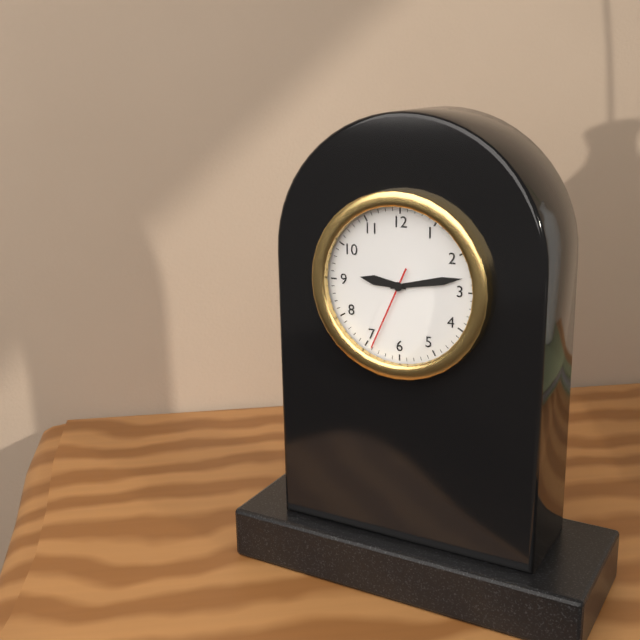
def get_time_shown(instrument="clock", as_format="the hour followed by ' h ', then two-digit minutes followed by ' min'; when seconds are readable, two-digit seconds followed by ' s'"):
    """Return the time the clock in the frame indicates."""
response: 9 h 13 min 34 s
